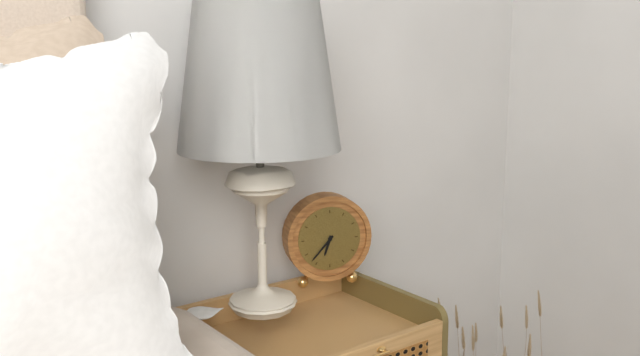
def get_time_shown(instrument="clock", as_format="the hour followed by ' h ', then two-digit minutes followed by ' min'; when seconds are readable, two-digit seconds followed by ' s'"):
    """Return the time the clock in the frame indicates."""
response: 6 h 37 min
